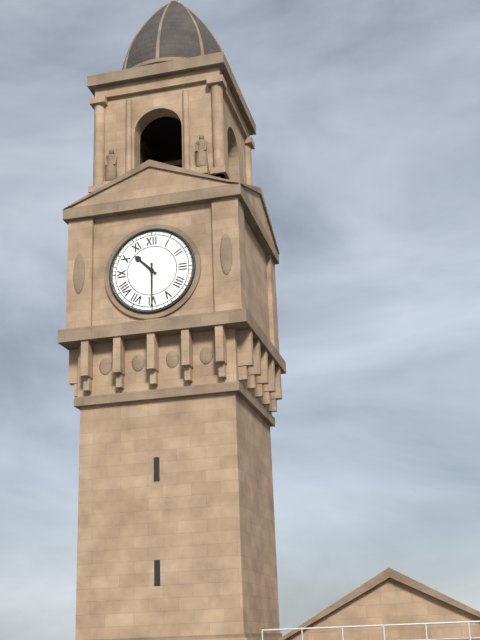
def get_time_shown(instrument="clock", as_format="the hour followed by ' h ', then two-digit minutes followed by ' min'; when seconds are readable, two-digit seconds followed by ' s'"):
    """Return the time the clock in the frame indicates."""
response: 10 h 30 min
